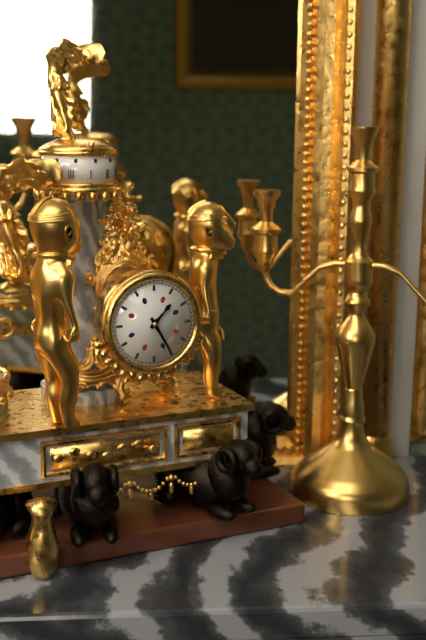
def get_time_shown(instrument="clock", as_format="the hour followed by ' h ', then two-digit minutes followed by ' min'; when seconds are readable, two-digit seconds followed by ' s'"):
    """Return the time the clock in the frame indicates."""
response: 1 h 25 min
